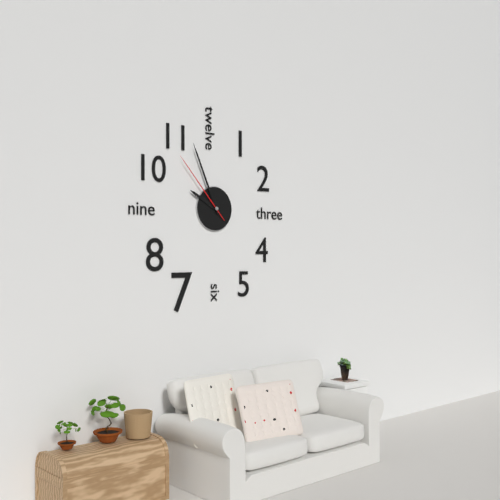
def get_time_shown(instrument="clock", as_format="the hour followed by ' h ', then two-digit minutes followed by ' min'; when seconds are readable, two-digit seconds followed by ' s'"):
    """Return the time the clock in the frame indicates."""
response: 9 h 56 min 53 s
